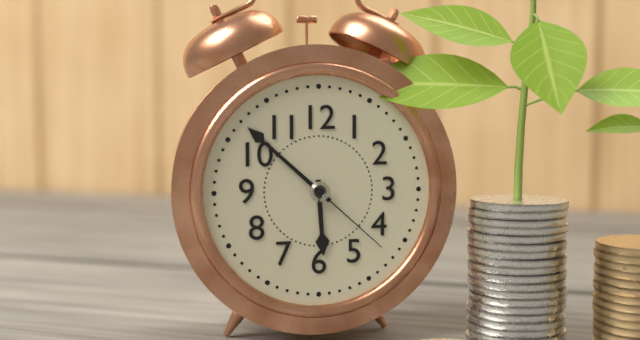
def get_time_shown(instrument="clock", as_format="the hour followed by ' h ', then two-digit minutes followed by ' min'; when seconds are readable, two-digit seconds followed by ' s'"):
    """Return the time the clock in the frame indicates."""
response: 5 h 52 min 22 s
